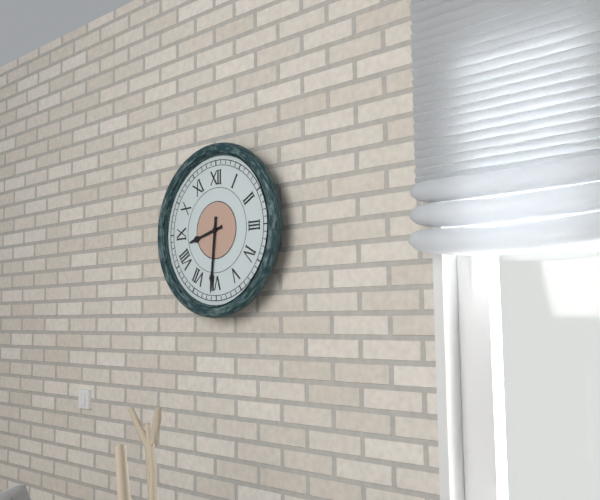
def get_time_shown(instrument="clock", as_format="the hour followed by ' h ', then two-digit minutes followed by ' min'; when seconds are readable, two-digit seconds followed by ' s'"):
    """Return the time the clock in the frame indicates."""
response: 8 h 31 min
